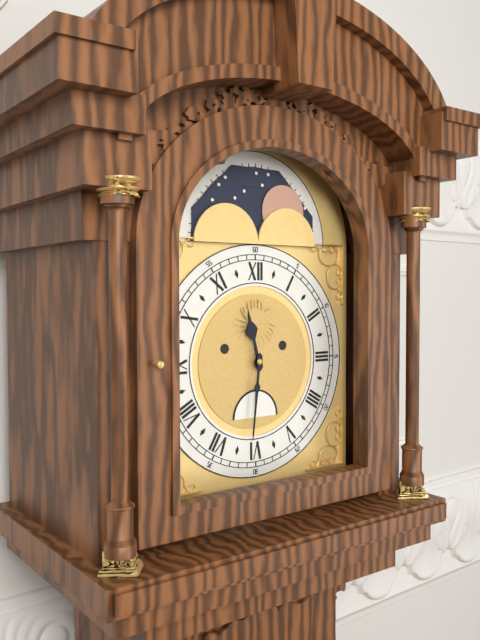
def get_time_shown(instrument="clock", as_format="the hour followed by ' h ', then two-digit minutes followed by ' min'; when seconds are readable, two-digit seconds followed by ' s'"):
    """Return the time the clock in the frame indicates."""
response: 11 h 31 min
